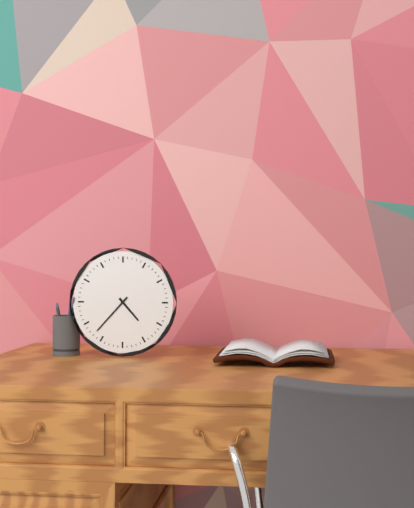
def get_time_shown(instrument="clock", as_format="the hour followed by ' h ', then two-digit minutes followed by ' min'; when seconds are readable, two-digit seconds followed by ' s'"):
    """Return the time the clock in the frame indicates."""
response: 4 h 37 min
